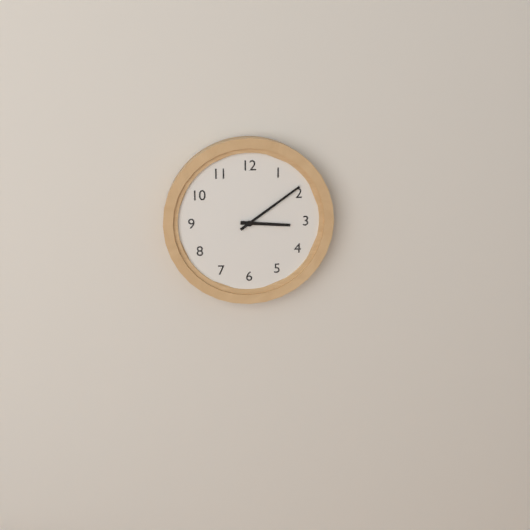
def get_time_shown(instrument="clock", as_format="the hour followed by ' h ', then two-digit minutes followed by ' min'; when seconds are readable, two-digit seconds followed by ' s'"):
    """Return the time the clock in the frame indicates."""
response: 3 h 09 min
